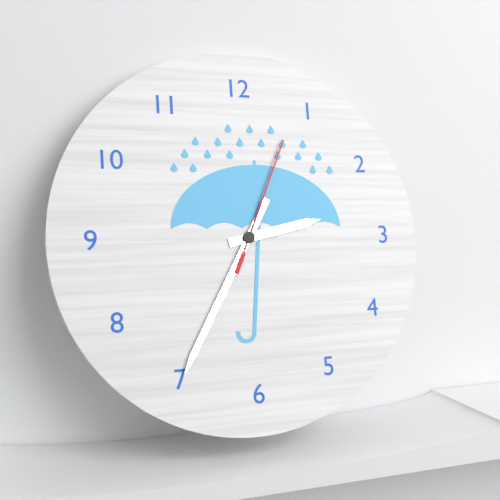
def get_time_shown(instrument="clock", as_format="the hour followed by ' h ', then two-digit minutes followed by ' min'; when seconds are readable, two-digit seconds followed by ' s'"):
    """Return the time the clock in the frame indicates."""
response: 2 h 35 min 04 s
